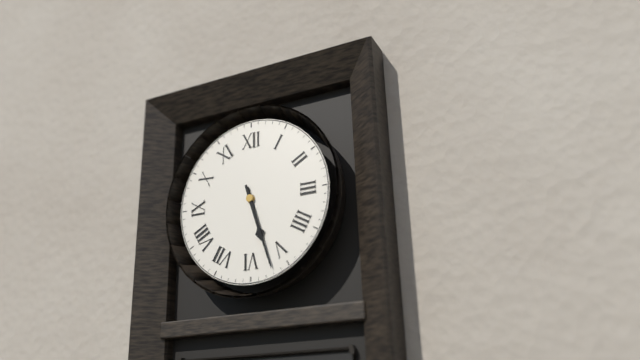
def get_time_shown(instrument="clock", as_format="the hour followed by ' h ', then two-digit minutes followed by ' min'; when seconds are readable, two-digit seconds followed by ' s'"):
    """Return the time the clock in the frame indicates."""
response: 5 h 27 min
